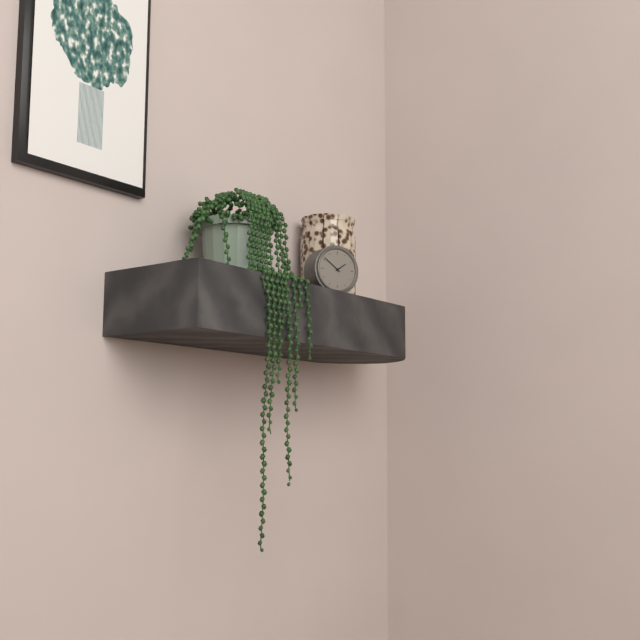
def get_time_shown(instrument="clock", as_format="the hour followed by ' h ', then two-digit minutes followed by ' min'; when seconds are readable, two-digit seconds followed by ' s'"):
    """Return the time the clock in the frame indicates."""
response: 1 h 51 min
